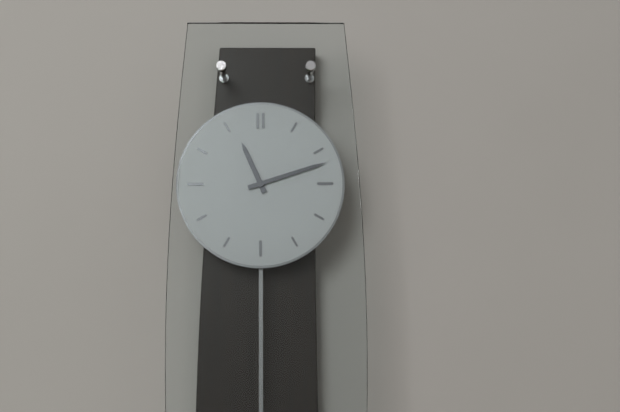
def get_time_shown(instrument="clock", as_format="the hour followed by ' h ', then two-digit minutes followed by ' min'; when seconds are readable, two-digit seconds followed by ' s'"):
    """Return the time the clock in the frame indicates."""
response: 11 h 12 min
